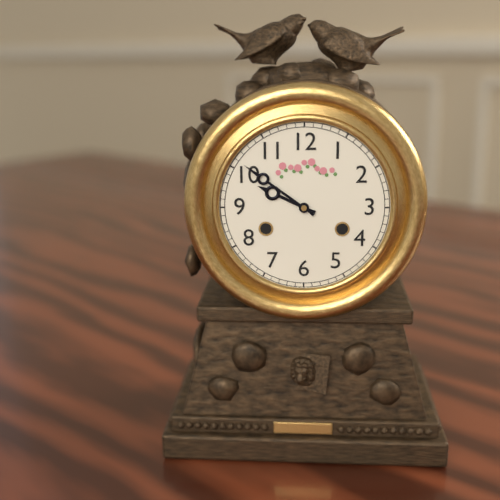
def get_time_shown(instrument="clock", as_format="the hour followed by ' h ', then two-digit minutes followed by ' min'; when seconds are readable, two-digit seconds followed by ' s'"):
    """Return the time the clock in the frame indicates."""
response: 9 h 51 min
